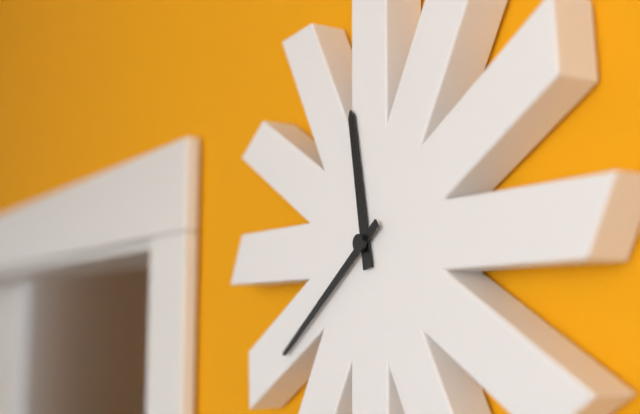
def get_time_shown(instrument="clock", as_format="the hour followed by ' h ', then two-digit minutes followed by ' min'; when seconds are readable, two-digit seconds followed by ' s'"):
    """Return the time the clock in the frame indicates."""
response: 11 h 39 min
